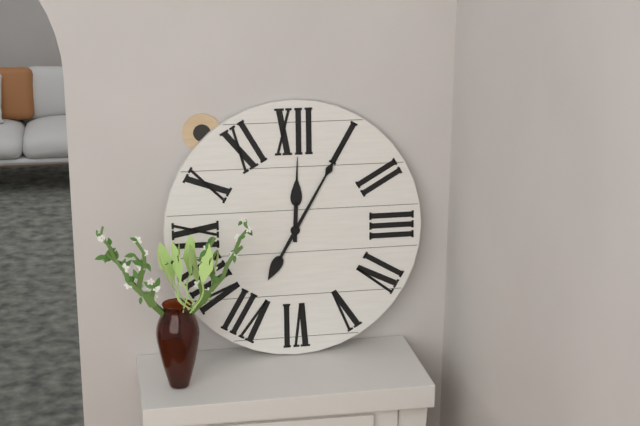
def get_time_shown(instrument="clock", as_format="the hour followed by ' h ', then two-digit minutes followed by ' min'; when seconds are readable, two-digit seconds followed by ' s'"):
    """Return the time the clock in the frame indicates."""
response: 12 h 05 min
